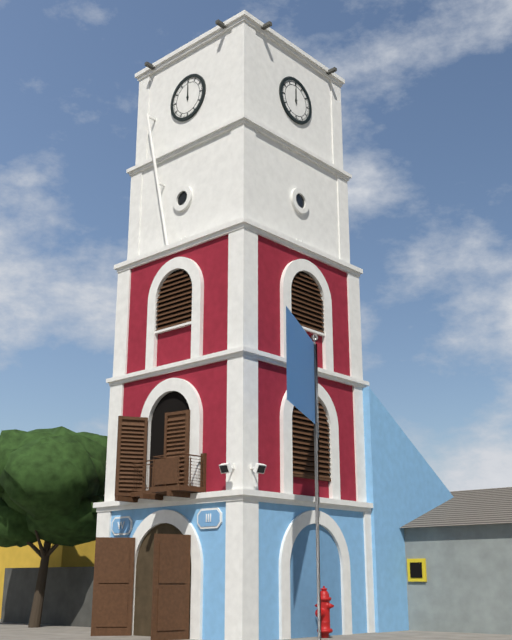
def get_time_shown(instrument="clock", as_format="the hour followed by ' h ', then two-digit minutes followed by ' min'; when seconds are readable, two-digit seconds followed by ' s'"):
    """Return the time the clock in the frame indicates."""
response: 12 h 00 min
